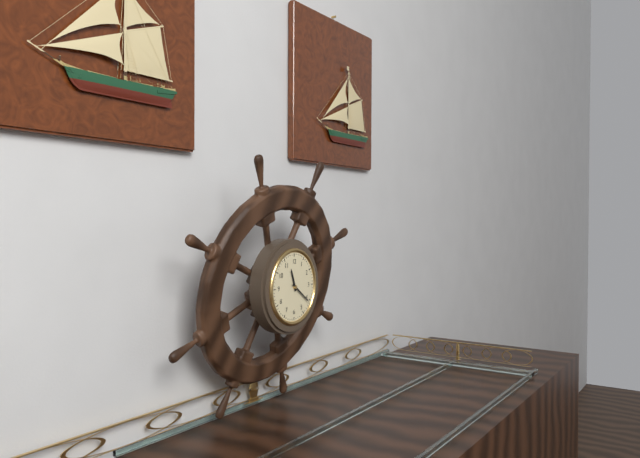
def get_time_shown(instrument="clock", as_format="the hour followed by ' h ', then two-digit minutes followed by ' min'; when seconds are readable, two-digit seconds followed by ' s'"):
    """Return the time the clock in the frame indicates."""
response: 11 h 21 min
